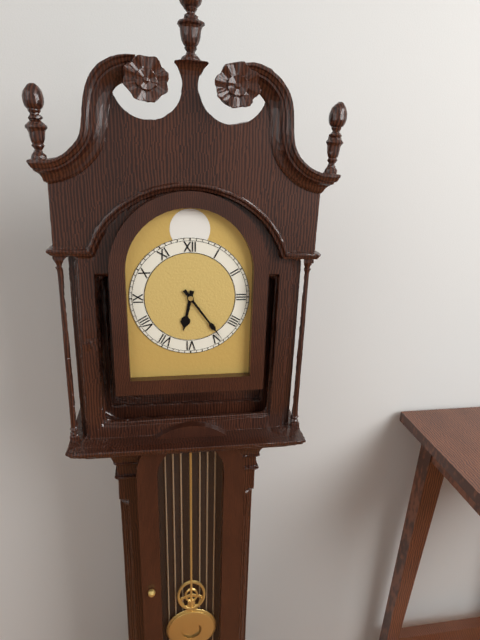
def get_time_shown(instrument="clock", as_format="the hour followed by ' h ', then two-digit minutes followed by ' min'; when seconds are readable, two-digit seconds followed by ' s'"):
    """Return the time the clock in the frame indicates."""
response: 6 h 24 min
